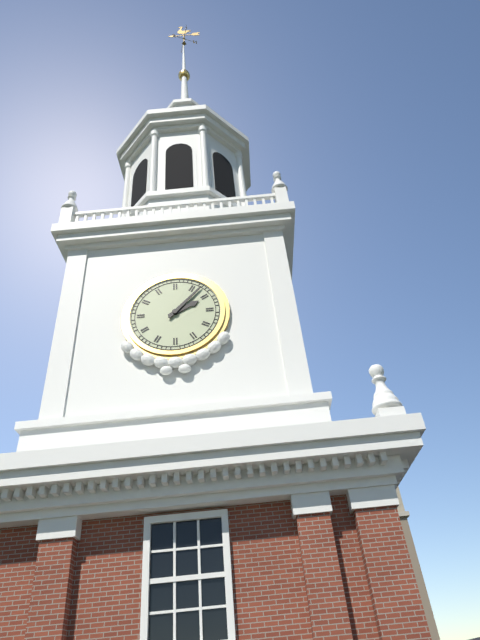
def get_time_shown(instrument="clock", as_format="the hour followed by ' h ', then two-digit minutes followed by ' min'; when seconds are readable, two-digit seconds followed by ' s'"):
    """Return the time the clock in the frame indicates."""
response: 2 h 07 min
